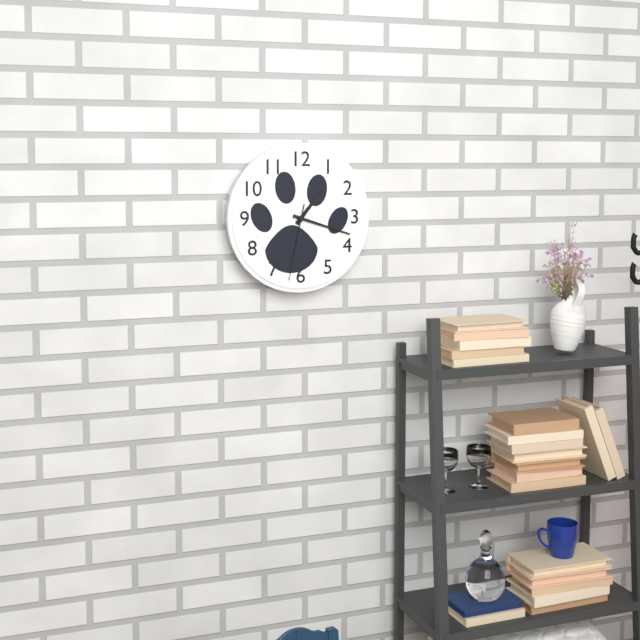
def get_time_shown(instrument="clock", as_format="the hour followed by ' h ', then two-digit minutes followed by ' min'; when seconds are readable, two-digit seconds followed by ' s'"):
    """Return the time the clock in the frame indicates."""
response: 1 h 18 min 32 s
